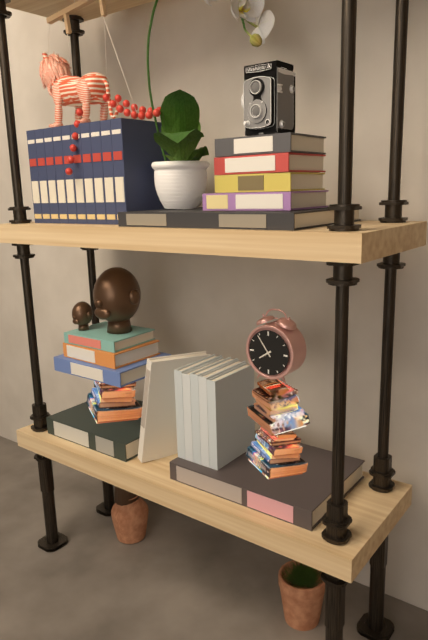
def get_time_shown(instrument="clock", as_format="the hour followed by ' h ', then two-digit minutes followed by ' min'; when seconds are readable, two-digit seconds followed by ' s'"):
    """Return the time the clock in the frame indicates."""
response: 7 h 54 min
